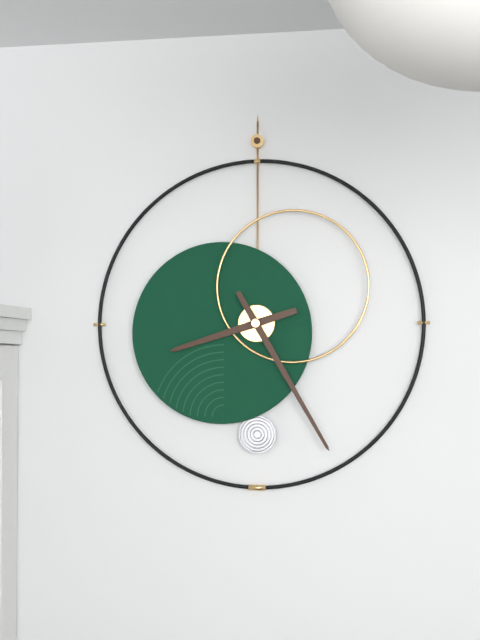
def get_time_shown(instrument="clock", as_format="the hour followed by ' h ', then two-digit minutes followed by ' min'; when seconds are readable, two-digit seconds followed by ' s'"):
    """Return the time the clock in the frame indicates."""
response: 8 h 25 min
